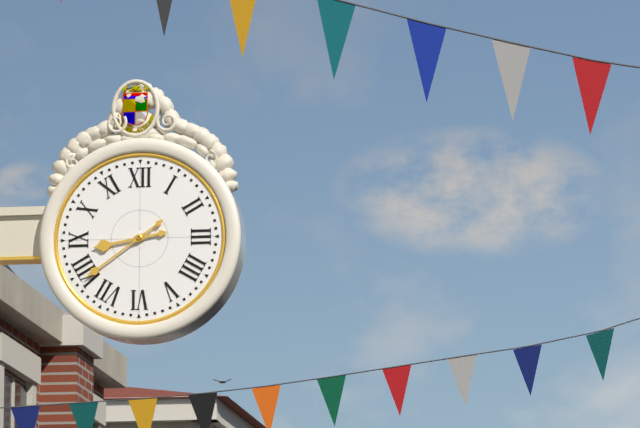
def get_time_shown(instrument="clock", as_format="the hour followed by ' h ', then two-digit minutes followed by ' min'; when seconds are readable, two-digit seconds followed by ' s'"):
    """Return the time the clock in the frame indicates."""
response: 8 h 39 min
